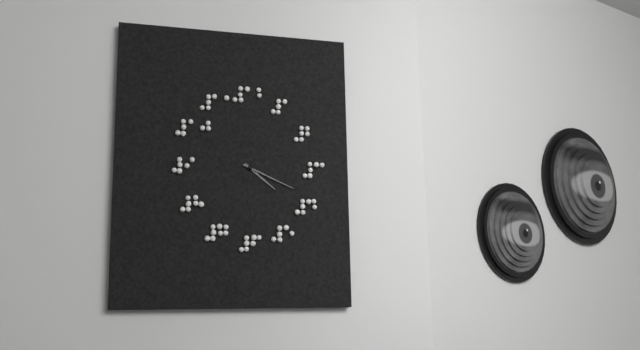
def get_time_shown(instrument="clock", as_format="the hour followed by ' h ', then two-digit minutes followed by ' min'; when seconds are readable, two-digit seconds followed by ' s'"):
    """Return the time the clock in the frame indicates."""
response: 4 h 19 min
